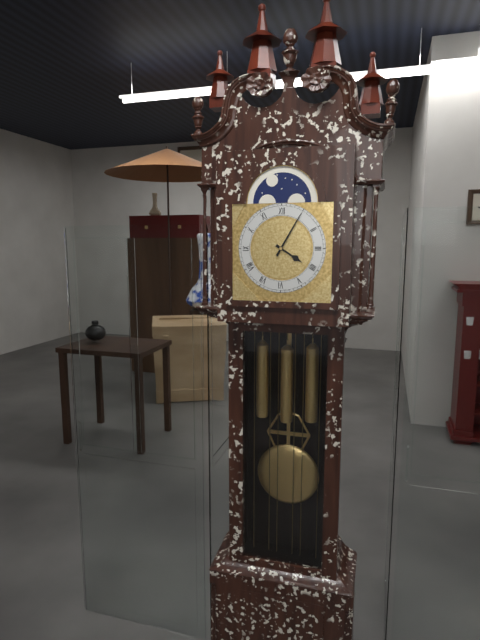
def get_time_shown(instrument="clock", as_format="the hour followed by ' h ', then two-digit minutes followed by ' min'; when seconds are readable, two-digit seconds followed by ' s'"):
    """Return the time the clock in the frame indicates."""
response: 4 h 05 min
